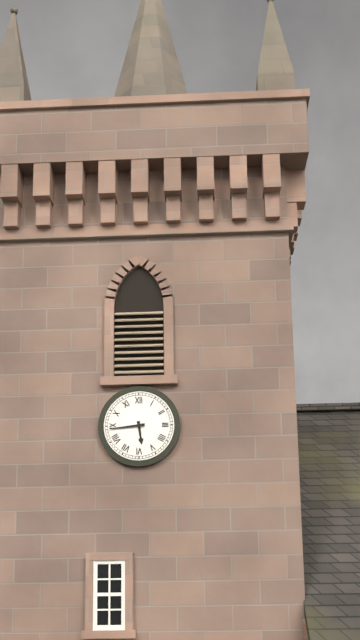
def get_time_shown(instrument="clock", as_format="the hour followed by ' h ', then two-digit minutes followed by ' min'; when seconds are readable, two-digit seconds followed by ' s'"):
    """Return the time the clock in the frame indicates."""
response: 5 h 44 min
